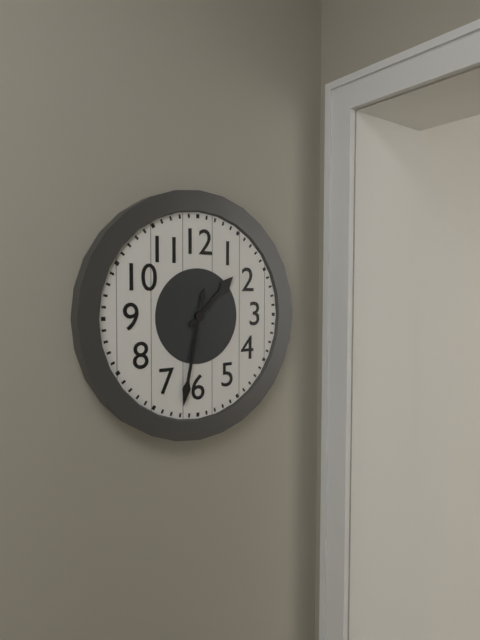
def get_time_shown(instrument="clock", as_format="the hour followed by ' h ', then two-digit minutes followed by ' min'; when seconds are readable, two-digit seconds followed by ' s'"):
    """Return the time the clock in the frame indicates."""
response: 1 h 32 min
